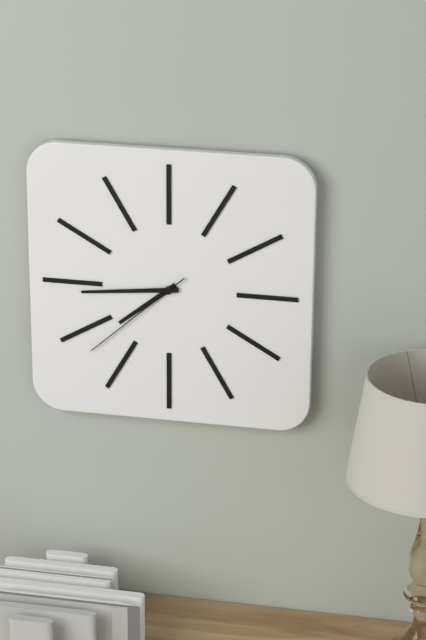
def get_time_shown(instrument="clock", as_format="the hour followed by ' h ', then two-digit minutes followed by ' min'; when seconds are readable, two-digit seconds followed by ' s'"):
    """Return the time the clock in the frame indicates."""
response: 7 h 44 min 38 s
